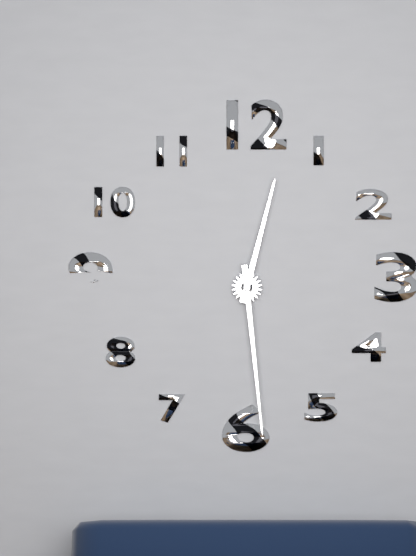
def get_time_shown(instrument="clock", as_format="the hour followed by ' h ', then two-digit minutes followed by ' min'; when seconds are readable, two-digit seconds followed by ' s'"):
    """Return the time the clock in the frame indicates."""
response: 12 h 29 min
